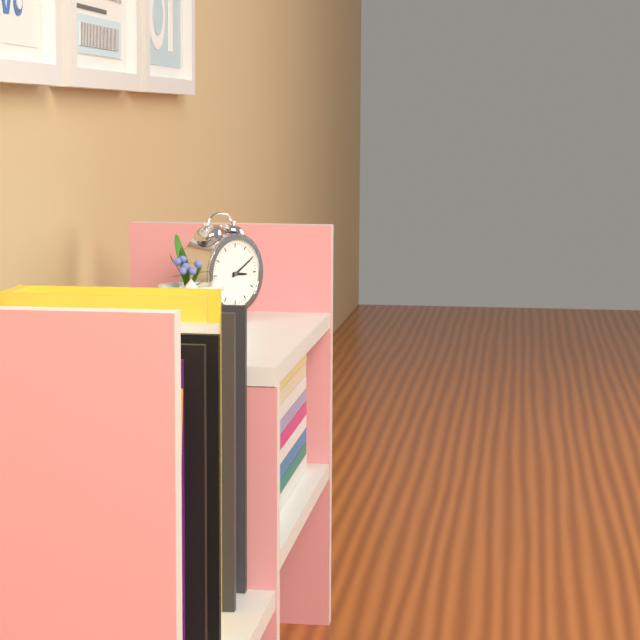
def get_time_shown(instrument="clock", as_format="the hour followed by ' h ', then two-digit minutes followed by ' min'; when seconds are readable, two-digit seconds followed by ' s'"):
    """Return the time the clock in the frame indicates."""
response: 3 h 10 min
